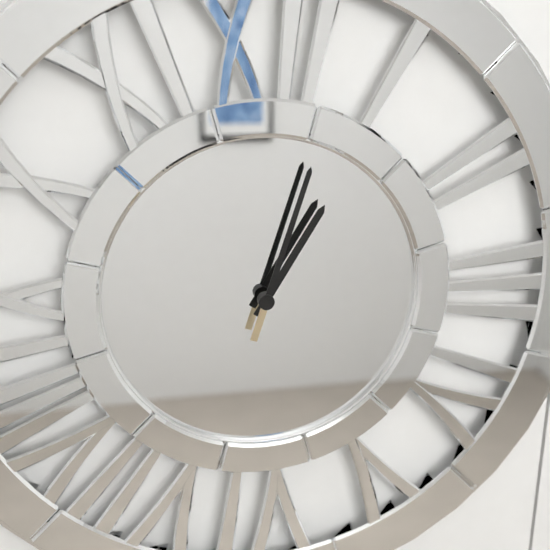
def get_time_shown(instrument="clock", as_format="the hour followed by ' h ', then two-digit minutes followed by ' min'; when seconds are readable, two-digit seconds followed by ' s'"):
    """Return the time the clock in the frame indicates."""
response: 1 h 03 min
